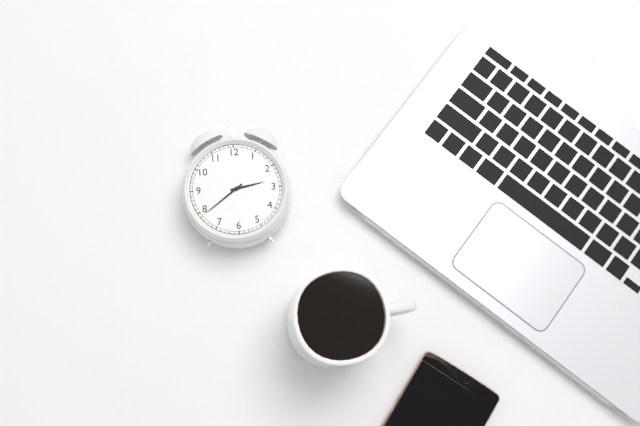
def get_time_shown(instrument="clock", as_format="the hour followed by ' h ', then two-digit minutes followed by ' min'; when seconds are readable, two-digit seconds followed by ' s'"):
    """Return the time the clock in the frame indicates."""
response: 2 h 39 min
